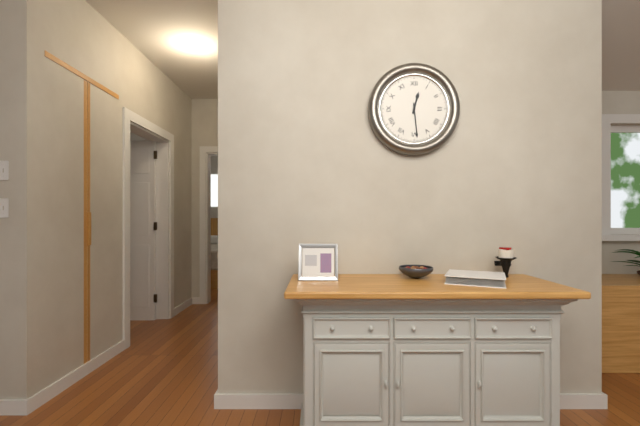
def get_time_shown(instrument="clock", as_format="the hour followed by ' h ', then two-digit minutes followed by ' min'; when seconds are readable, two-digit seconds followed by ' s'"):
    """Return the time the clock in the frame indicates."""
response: 12 h 29 min
